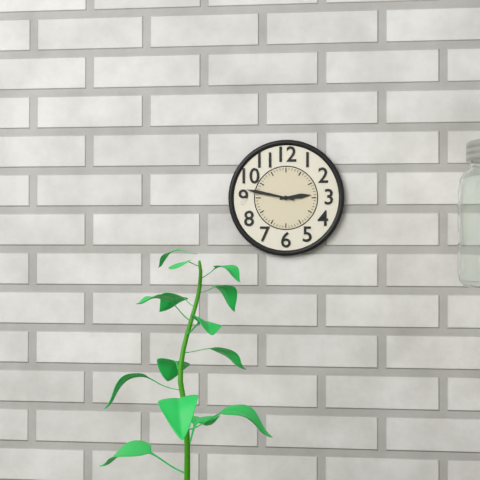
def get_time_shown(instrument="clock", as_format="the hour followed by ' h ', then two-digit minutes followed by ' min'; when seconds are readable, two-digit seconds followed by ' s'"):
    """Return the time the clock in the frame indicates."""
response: 2 h 47 min
